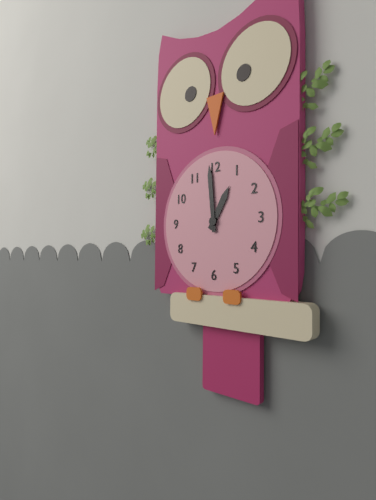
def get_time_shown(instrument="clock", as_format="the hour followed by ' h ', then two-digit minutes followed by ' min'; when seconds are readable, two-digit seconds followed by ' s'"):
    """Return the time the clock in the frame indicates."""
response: 12 h 59 min
